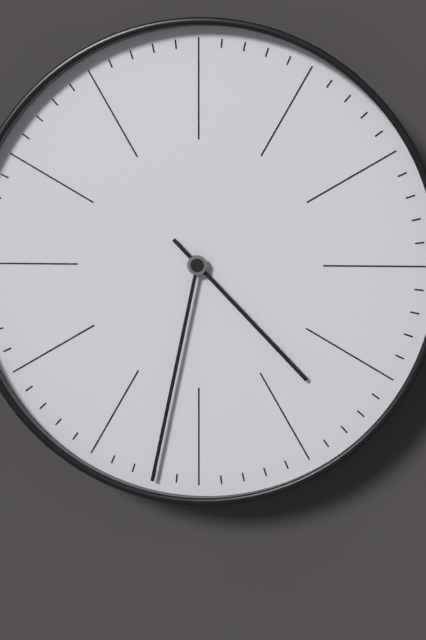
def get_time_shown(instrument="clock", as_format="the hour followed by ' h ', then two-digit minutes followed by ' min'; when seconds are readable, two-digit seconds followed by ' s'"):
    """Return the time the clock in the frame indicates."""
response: 4 h 32 min
